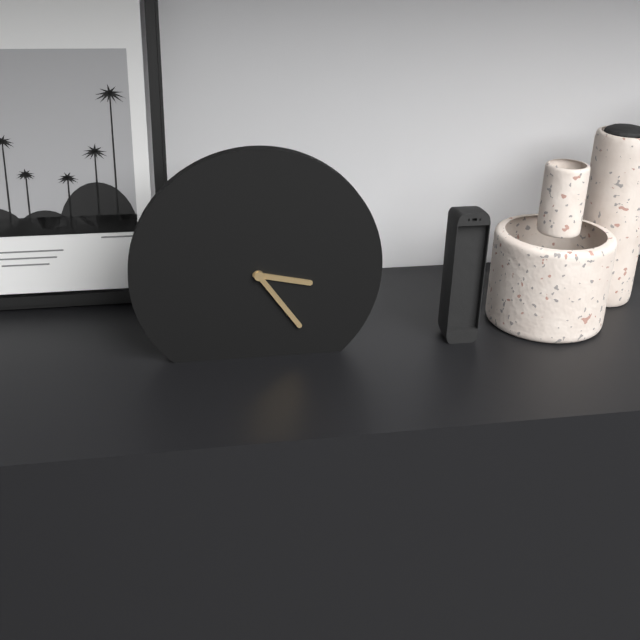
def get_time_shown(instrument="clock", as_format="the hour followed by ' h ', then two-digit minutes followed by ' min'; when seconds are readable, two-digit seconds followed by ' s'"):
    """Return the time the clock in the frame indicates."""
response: 3 h 24 min
